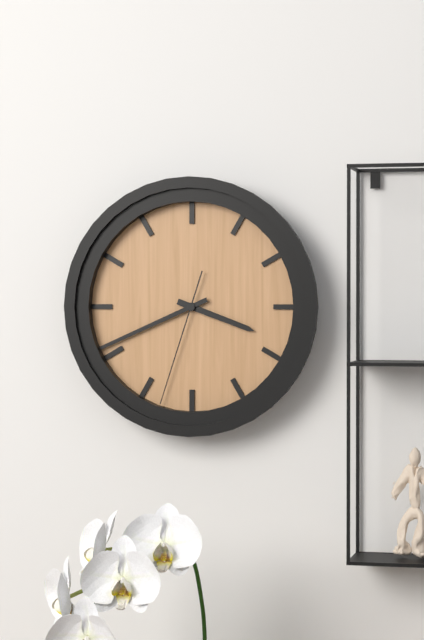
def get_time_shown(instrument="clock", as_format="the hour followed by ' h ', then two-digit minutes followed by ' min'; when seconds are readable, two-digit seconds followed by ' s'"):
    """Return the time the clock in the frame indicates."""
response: 3 h 41 min 33 s
